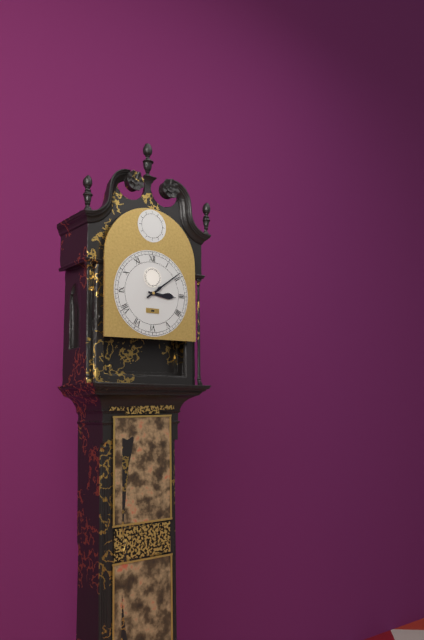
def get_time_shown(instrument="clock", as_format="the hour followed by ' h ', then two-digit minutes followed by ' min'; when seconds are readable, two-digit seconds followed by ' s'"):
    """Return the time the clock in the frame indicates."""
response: 3 h 09 min
